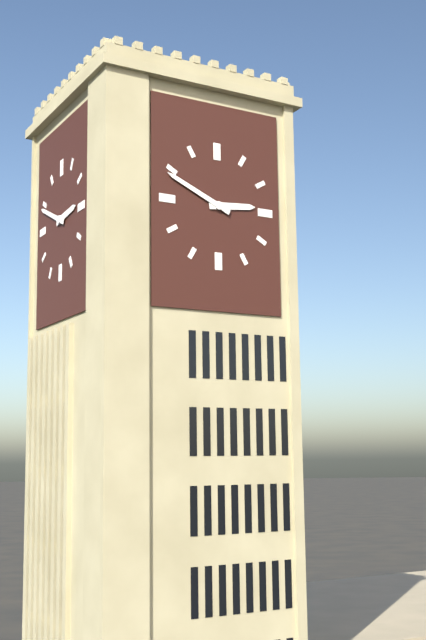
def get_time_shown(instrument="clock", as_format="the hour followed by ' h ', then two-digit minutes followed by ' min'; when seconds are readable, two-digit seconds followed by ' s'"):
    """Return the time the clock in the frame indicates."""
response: 2 h 49 min
